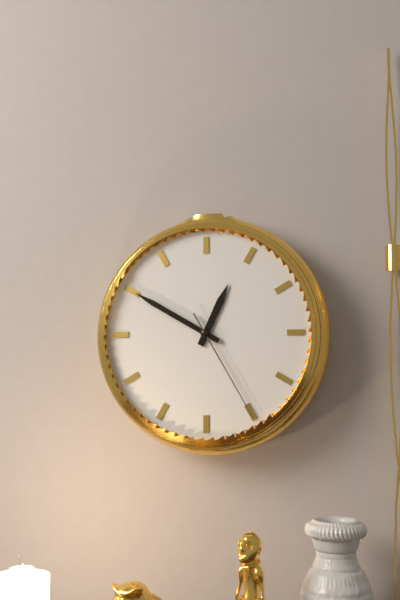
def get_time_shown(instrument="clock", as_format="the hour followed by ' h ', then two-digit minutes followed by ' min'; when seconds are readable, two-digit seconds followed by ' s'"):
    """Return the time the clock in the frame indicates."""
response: 12 h 50 min 25 s
